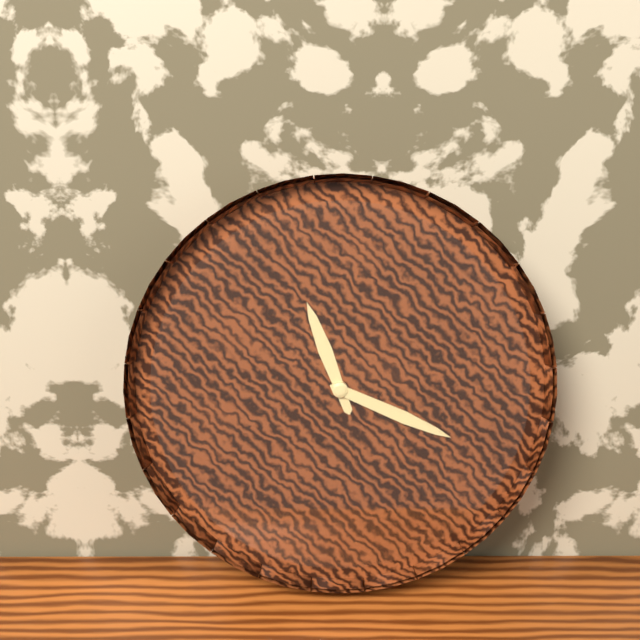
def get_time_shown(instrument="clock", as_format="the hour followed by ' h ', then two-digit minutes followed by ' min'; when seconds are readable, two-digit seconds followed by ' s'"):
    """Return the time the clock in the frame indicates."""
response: 11 h 19 min
